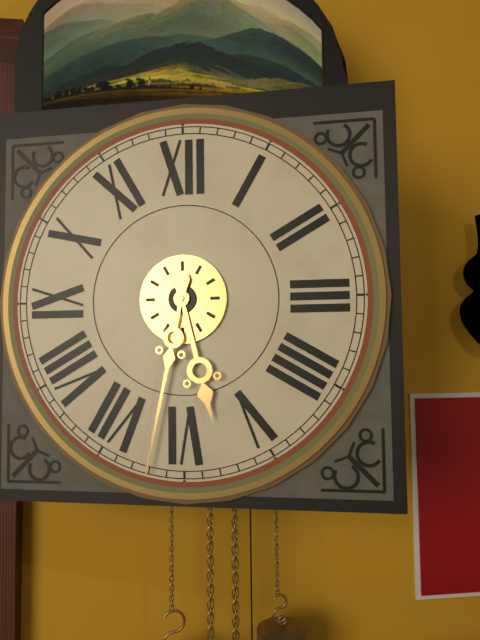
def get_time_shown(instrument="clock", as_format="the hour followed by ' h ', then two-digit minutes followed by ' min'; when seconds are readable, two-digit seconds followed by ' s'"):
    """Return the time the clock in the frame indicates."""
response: 5 h 32 min
